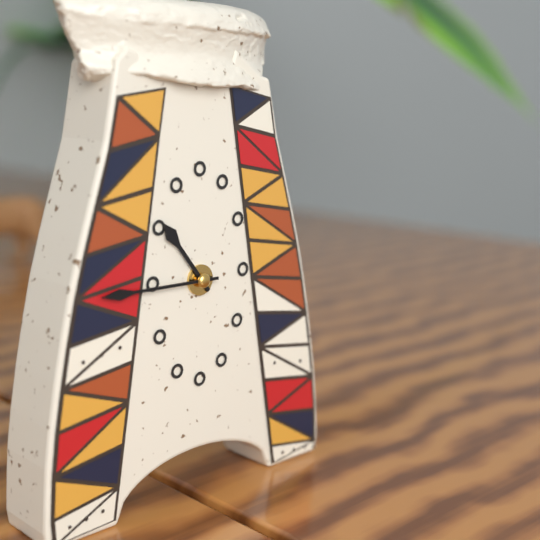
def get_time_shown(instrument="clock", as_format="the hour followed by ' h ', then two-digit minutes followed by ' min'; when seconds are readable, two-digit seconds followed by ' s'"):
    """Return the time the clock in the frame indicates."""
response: 10 h 45 min
